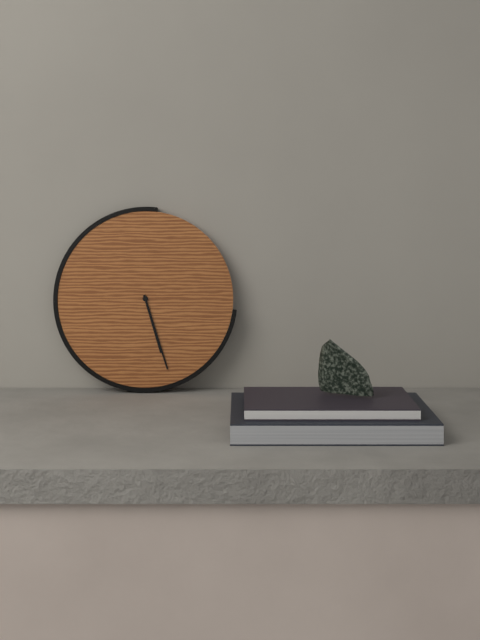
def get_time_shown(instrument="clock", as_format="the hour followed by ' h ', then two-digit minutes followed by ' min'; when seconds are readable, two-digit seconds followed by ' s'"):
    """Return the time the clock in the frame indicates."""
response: 5 h 27 min
